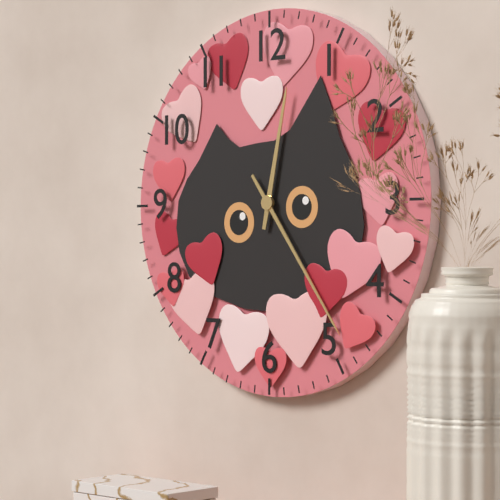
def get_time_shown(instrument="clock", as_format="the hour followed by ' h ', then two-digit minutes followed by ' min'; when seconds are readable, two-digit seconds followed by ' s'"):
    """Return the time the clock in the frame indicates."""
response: 12 h 24 min
